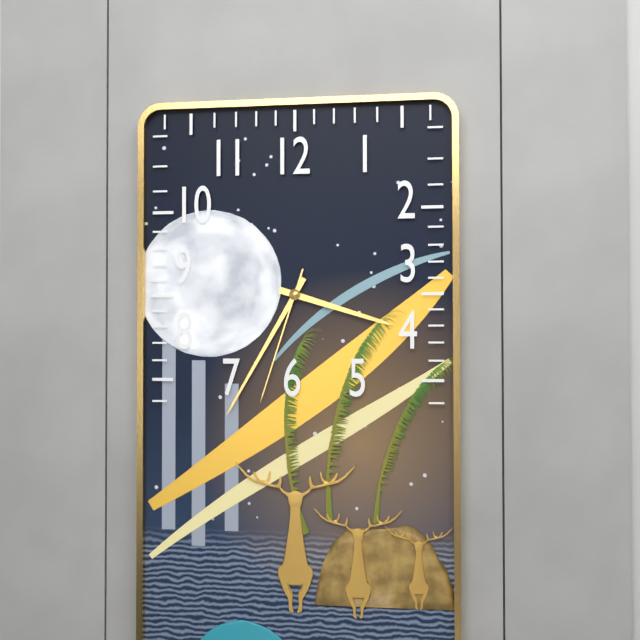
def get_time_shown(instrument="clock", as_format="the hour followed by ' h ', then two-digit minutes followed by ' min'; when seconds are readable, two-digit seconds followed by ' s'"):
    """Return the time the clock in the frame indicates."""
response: 3 h 35 min 33 s
